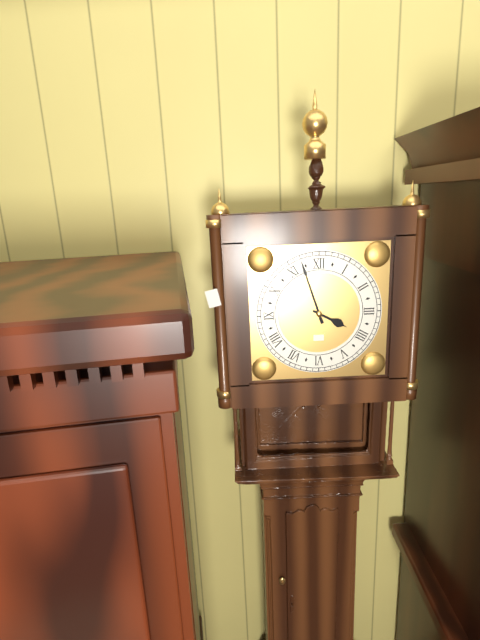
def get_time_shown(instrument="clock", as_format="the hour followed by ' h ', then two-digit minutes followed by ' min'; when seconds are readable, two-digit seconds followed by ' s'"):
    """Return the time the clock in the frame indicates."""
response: 3 h 57 min
